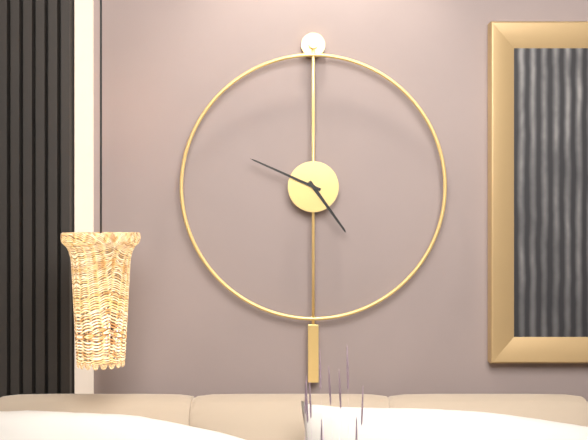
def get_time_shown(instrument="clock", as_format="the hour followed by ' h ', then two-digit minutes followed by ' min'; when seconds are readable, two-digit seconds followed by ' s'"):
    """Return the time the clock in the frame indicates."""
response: 4 h 49 min
